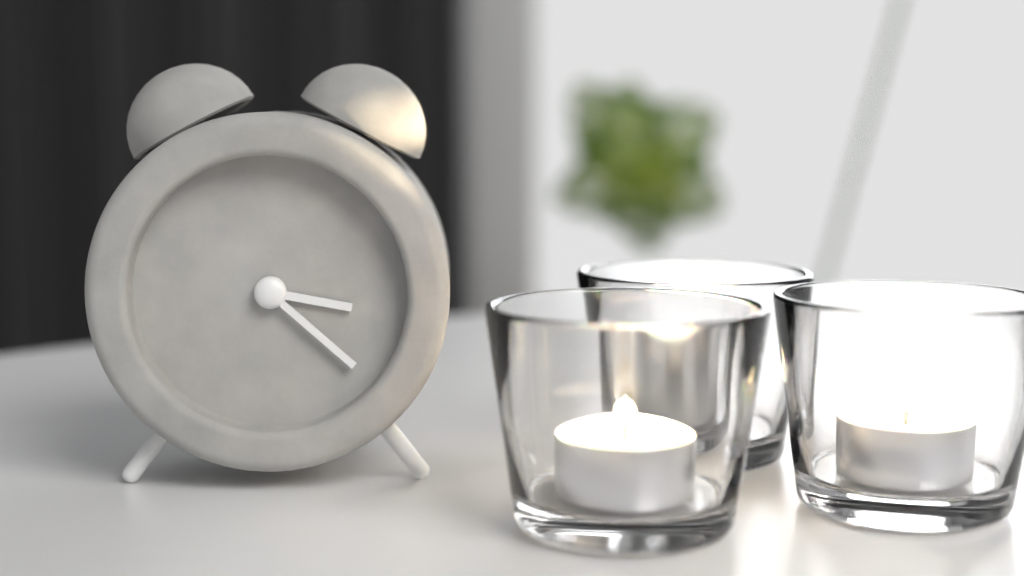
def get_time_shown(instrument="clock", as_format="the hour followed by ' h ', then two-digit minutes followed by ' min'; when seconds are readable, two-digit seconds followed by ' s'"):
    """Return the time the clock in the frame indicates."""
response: 3 h 22 min
